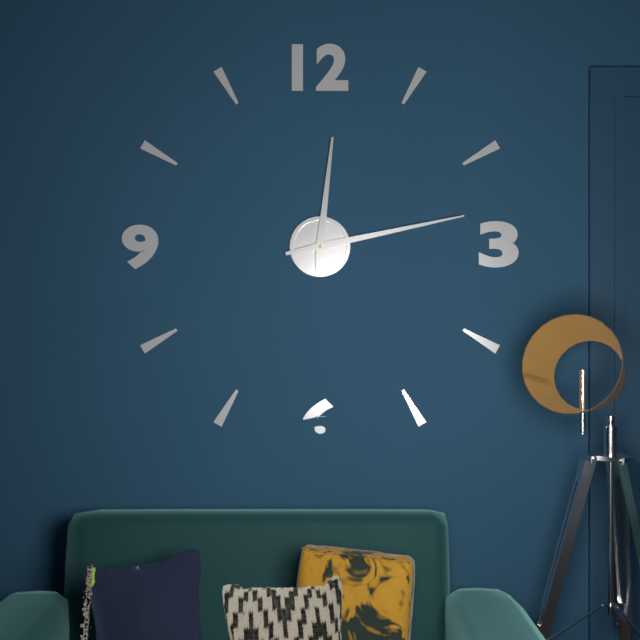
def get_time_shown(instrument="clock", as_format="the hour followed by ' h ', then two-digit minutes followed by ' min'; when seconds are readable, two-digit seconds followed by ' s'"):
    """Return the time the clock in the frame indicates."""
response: 12 h 13 min
